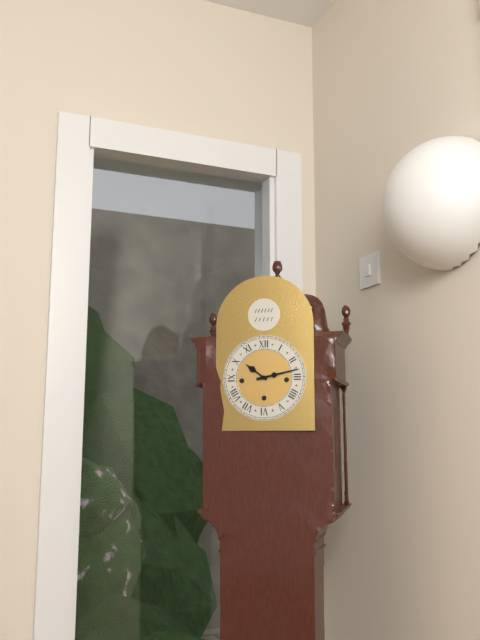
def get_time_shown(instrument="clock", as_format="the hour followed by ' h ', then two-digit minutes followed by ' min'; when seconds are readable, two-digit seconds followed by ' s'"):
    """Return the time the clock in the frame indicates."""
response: 10 h 13 min
